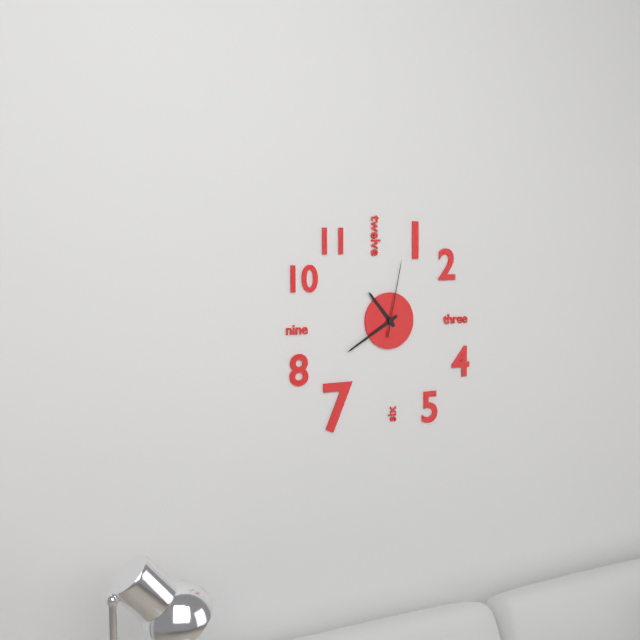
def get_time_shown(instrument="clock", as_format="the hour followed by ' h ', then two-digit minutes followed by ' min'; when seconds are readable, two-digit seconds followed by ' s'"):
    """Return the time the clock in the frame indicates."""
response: 10 h 40 min 02 s
